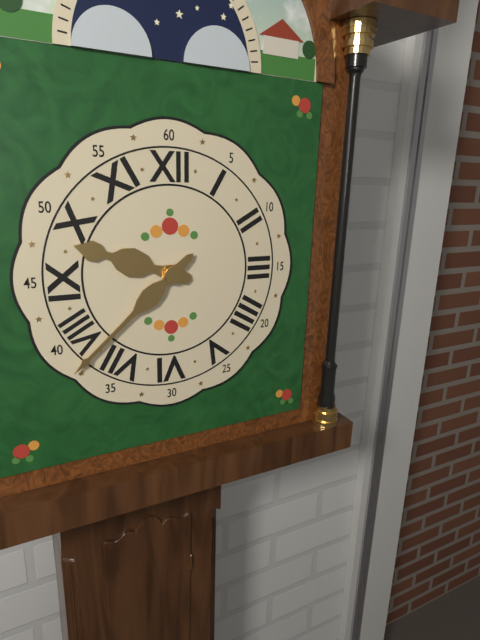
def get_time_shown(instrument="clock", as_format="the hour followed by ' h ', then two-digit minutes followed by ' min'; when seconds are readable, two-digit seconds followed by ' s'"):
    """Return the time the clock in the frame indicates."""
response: 9 h 38 min
